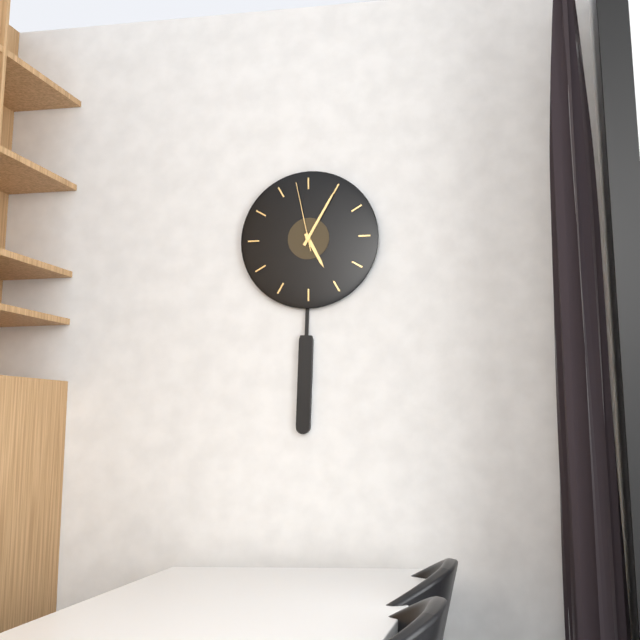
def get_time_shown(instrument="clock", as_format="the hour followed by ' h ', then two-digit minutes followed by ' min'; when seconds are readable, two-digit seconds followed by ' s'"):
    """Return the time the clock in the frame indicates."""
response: 5 h 05 min 58 s
